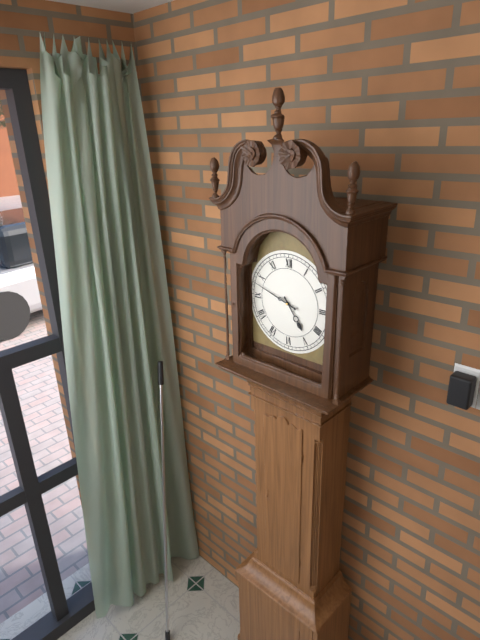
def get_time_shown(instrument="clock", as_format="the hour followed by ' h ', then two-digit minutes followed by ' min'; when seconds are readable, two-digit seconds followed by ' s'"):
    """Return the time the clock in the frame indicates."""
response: 4 h 48 min
